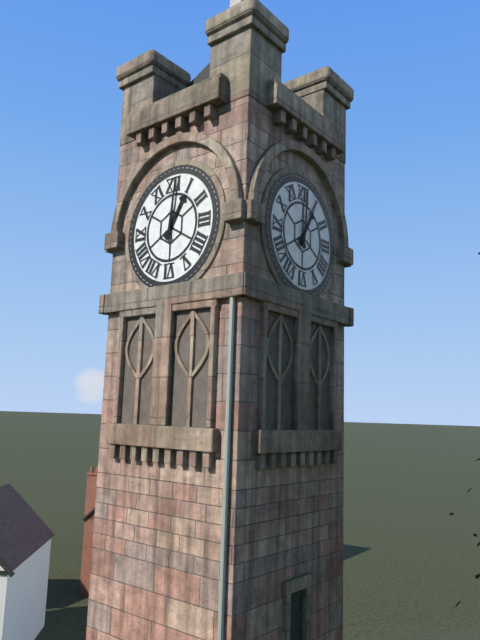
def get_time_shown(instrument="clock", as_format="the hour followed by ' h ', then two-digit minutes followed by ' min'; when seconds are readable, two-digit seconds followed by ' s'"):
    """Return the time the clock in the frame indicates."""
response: 1 h 01 min
